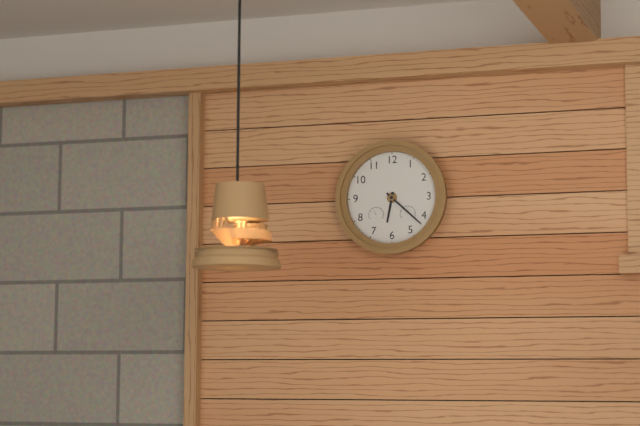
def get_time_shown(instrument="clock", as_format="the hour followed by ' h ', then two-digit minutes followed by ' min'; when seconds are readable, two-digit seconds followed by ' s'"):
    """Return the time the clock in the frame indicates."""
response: 6 h 22 min
